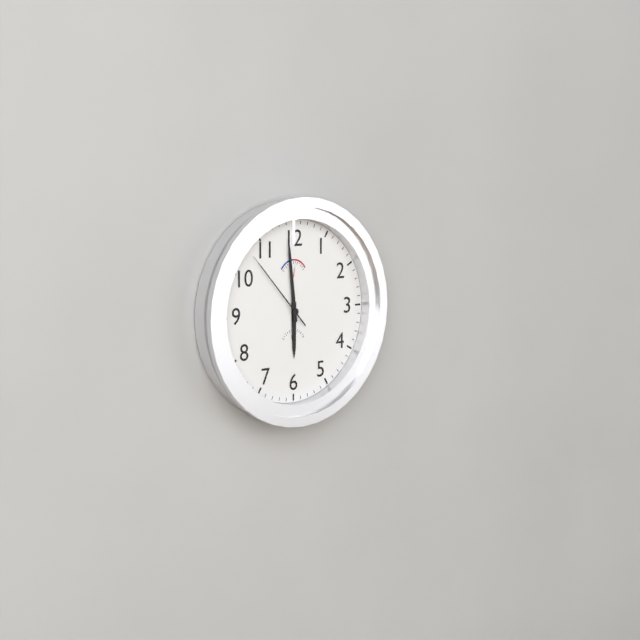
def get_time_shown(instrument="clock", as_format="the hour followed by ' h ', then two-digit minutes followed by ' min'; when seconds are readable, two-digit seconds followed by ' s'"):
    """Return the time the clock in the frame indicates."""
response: 5 h 59 min 53 s
